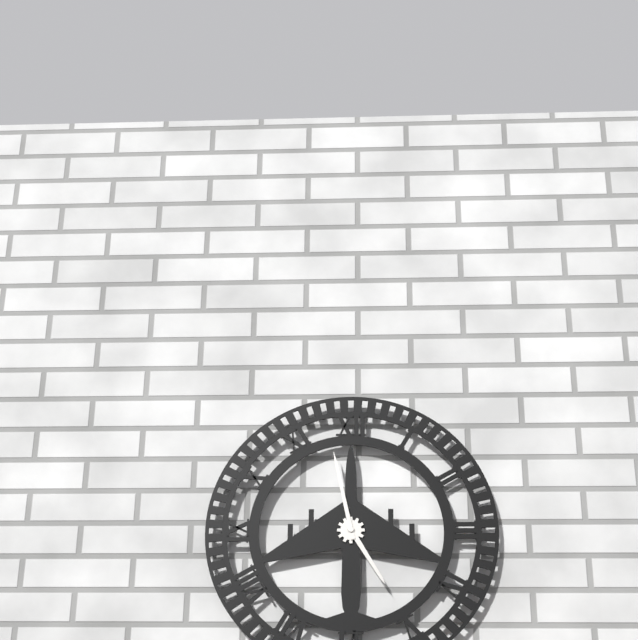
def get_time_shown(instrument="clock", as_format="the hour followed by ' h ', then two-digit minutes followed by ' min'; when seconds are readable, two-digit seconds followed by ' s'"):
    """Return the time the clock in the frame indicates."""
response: 4 h 58 min
